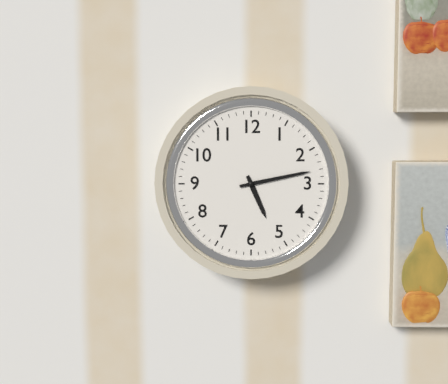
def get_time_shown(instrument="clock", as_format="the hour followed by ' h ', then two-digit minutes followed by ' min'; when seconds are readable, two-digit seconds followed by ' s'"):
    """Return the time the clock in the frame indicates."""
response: 5 h 13 min
